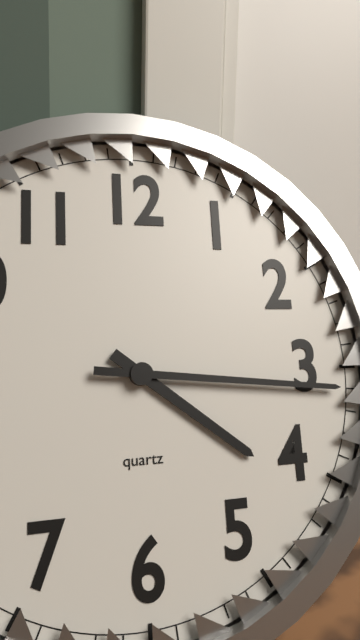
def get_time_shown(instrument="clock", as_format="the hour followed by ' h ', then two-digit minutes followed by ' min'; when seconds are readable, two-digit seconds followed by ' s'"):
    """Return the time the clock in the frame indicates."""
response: 4 h 16 min
